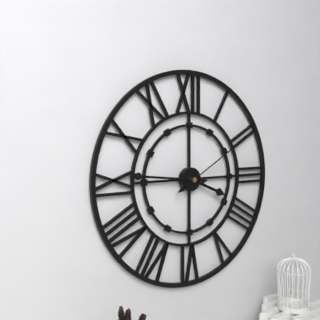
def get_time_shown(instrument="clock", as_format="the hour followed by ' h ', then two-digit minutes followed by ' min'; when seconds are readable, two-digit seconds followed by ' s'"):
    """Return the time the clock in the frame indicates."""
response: 3 h 46 min 10 s
